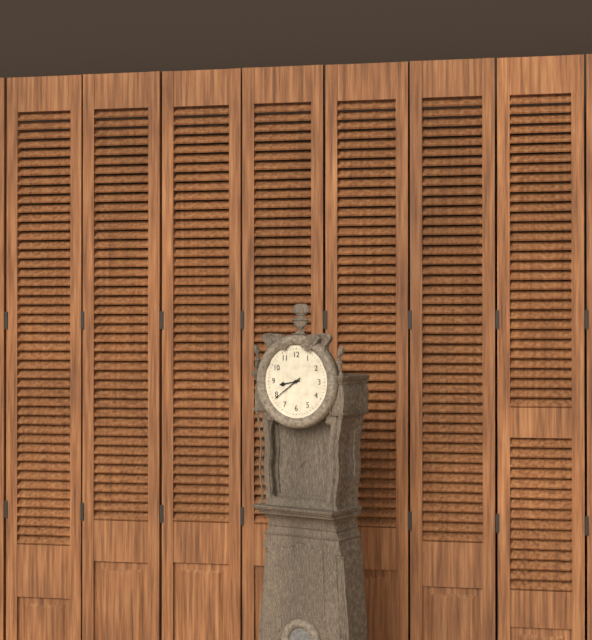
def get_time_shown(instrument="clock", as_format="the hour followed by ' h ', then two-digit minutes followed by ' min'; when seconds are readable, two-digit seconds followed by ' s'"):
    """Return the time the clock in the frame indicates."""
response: 8 h 39 min
